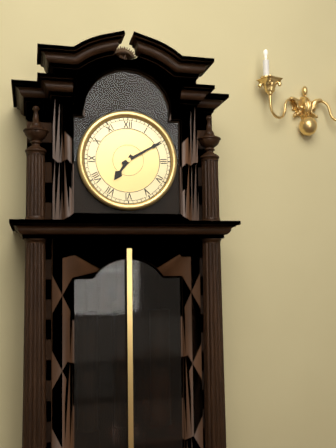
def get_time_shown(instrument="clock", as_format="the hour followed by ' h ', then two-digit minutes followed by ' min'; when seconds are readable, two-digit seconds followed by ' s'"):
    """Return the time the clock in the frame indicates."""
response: 7 h 10 min
